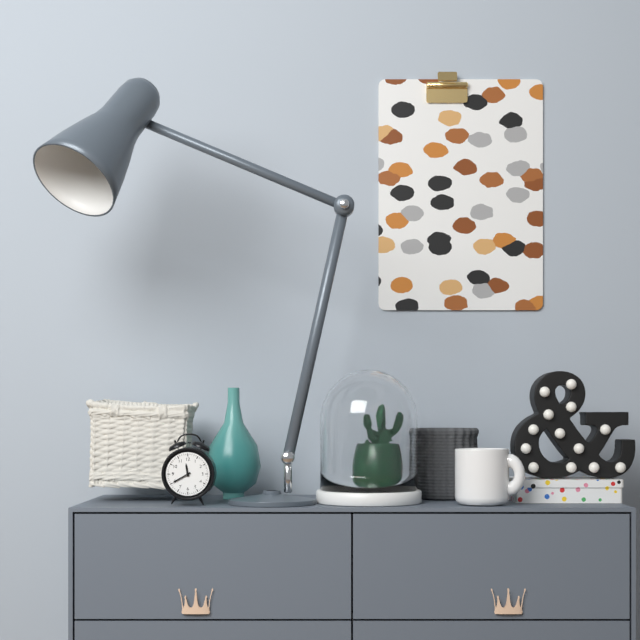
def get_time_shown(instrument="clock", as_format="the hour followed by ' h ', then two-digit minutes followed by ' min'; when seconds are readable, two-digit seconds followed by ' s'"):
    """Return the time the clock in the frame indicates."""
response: 11 h 40 min
